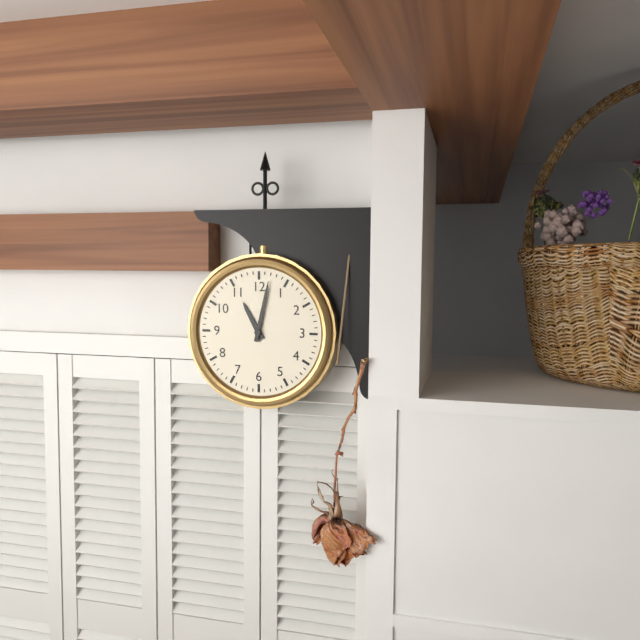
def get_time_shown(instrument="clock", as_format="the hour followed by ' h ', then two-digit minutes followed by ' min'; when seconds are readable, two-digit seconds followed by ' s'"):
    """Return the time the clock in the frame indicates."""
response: 11 h 02 min
